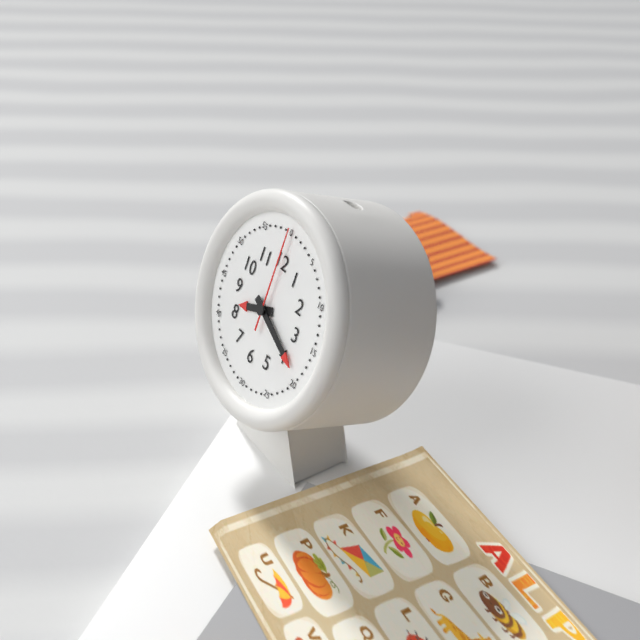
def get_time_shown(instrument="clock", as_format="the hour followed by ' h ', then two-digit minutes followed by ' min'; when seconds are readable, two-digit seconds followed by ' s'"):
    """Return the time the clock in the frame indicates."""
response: 8 h 19 min 00 s
